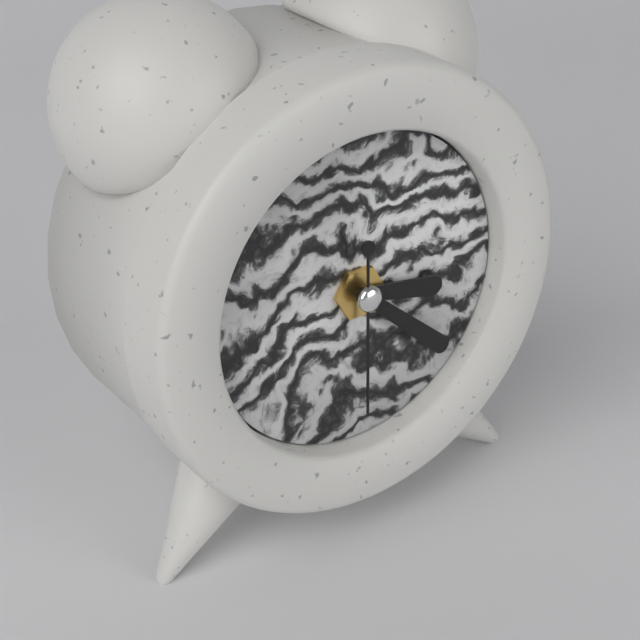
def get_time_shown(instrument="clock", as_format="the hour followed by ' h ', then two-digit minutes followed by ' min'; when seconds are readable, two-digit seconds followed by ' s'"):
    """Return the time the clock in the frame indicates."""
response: 3 h 22 min 30 s
